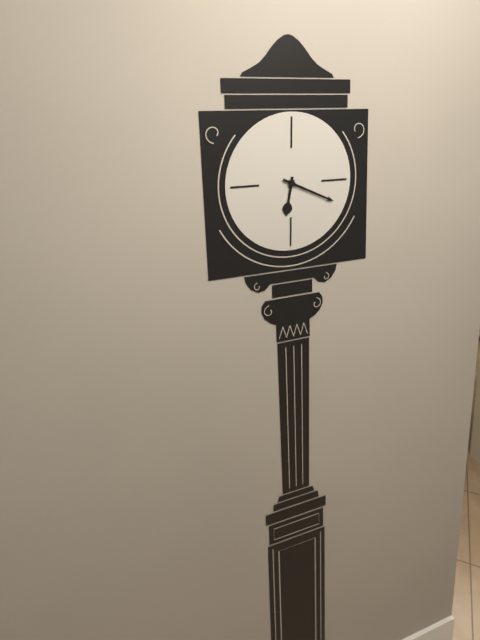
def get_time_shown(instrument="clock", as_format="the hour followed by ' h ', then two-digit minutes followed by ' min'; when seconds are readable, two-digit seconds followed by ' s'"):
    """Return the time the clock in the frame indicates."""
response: 6 h 19 min
